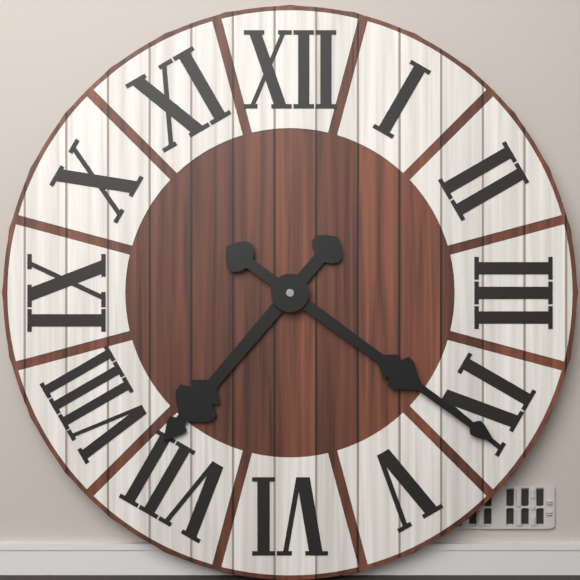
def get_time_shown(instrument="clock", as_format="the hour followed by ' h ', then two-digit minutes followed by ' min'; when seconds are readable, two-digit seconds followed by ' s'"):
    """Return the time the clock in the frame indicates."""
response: 7 h 21 min
